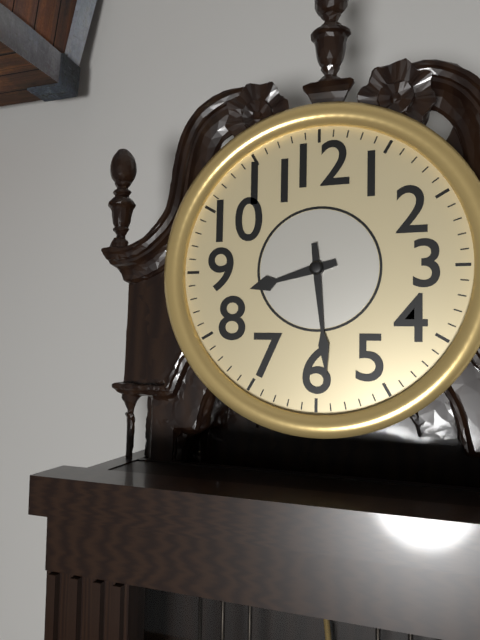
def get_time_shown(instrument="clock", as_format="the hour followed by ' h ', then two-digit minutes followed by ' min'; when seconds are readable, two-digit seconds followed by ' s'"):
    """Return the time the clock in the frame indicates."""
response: 8 h 29 min
